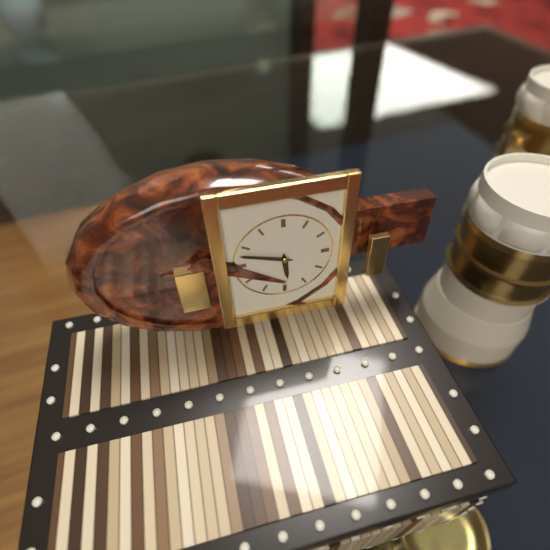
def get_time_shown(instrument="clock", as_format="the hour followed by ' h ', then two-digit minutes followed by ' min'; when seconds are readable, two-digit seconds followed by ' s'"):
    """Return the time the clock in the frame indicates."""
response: 5 h 48 min
